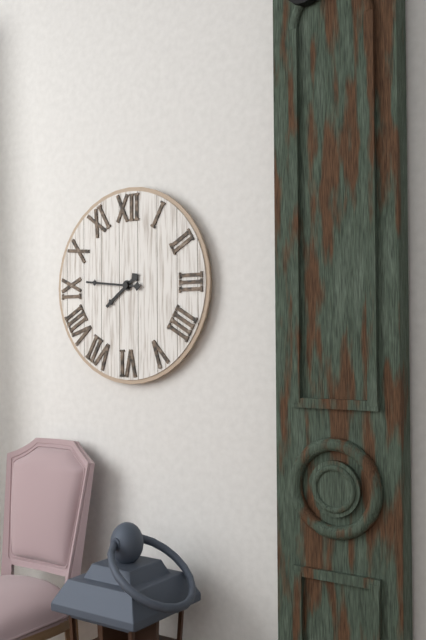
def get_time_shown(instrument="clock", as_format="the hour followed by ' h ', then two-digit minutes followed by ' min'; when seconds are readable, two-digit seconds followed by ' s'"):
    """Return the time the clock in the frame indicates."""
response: 7 h 46 min
